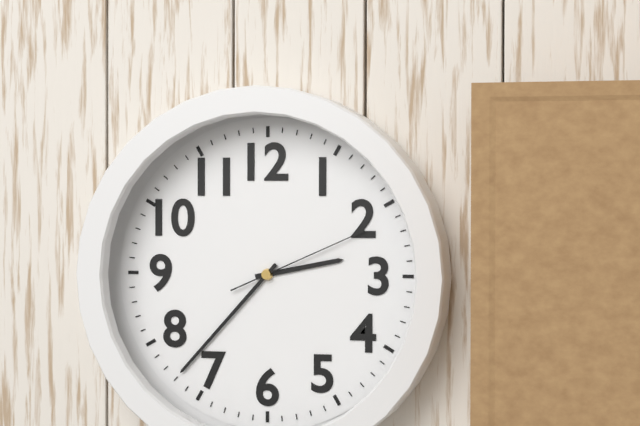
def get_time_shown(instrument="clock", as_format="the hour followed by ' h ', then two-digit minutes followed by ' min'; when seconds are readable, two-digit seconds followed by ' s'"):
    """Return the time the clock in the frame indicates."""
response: 2 h 37 min 11 s
